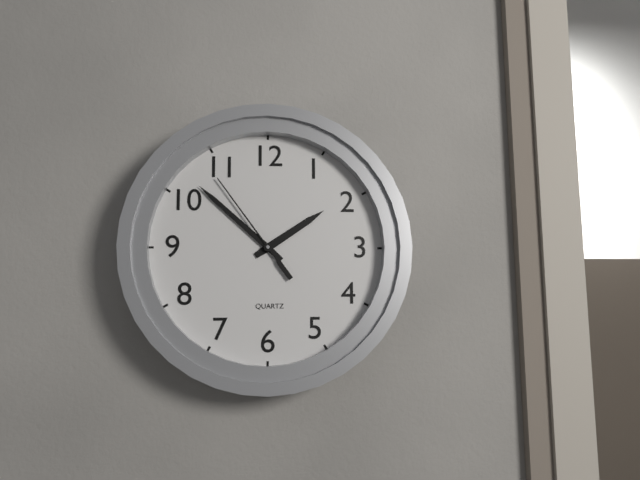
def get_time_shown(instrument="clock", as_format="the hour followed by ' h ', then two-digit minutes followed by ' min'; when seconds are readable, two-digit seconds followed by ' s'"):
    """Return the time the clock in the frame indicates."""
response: 1 h 52 min 54 s
